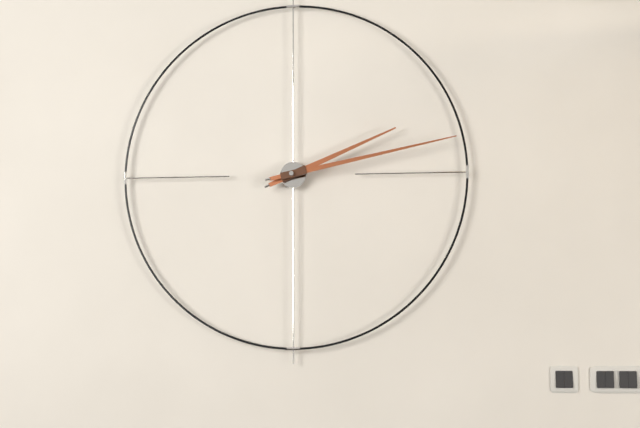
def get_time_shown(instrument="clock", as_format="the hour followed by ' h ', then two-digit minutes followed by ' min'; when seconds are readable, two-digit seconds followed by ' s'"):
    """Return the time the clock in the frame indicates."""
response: 2 h 13 min
